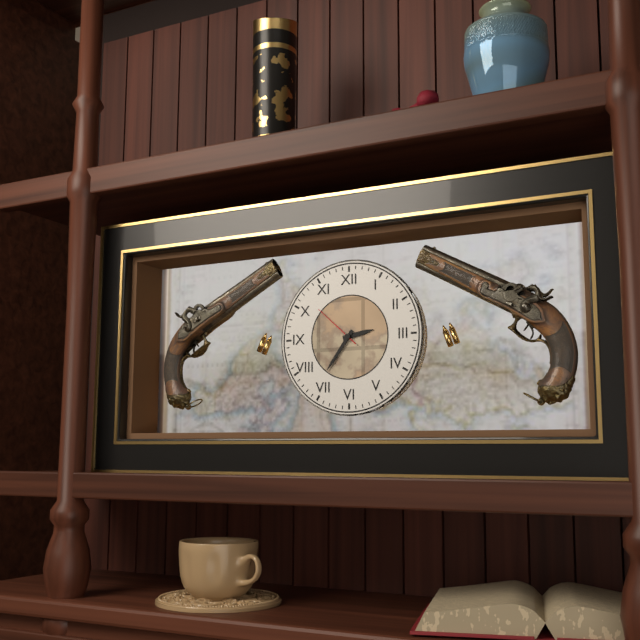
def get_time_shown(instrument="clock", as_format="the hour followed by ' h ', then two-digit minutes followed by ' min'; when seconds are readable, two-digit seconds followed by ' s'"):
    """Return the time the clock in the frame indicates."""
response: 2 h 36 min 52 s
